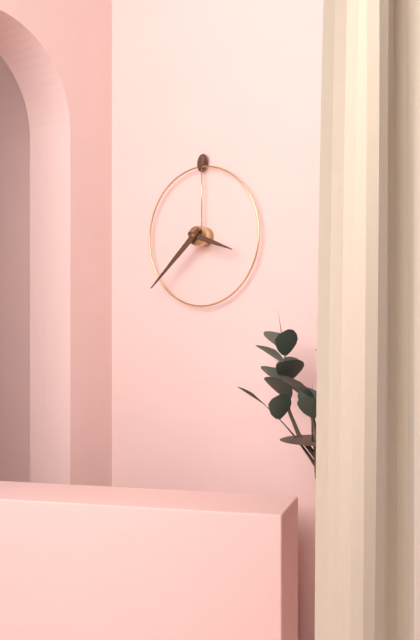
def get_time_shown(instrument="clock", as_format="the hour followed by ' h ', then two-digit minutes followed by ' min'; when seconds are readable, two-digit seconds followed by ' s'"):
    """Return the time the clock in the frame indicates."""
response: 3 h 38 min
